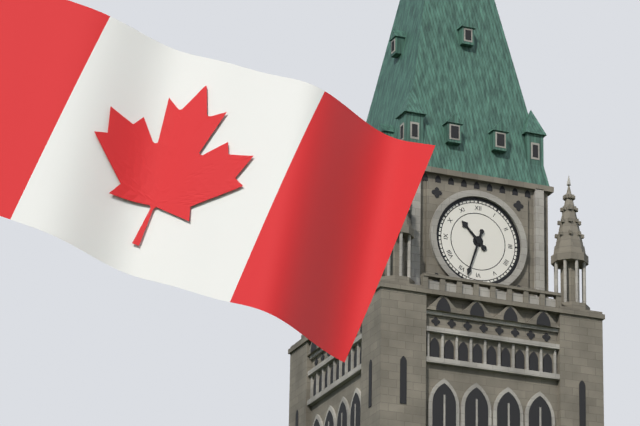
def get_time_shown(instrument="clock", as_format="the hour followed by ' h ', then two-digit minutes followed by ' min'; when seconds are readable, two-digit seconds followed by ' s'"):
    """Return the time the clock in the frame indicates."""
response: 10 h 33 min
